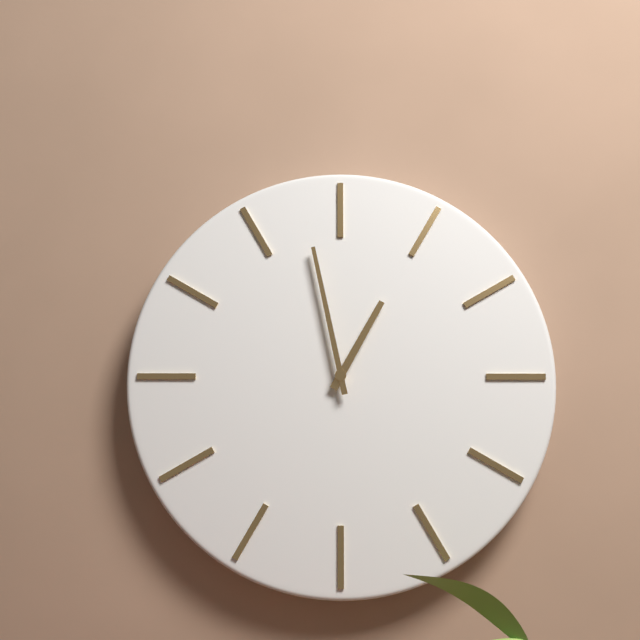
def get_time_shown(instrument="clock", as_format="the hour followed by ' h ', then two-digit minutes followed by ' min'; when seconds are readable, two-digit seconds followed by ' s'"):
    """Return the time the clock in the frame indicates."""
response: 12 h 58 min
